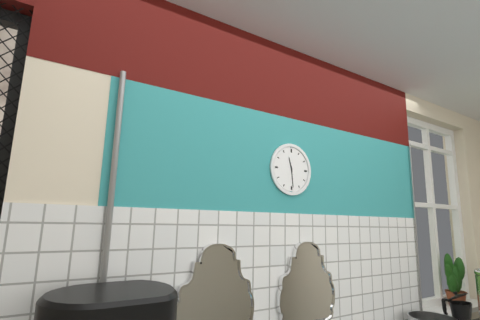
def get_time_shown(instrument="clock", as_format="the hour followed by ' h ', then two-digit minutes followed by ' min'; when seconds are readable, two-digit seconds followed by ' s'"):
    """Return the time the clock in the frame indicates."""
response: 11 h 29 min
